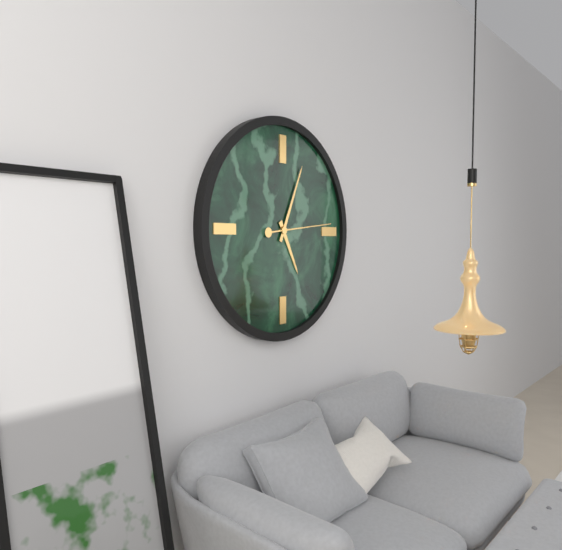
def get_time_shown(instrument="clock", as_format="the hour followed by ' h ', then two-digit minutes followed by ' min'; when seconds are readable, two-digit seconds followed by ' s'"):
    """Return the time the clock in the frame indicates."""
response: 5 h 04 min 14 s
